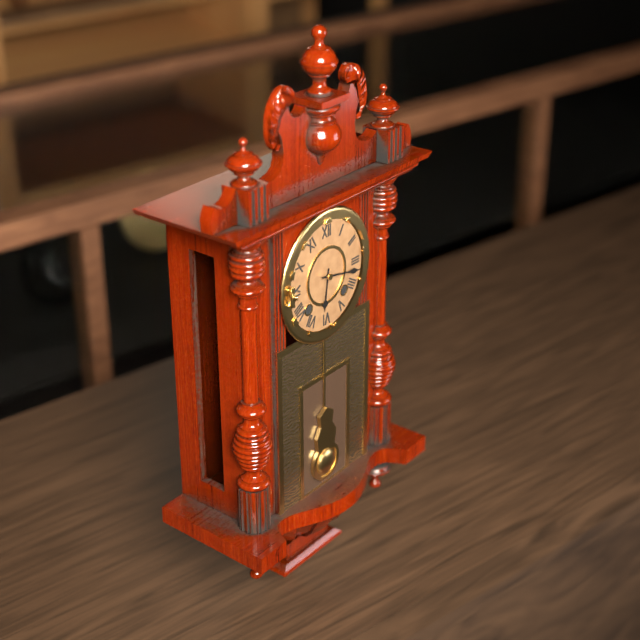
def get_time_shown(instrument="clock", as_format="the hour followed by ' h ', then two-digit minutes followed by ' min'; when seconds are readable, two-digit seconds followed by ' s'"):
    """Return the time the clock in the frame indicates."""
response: 6 h 17 min
